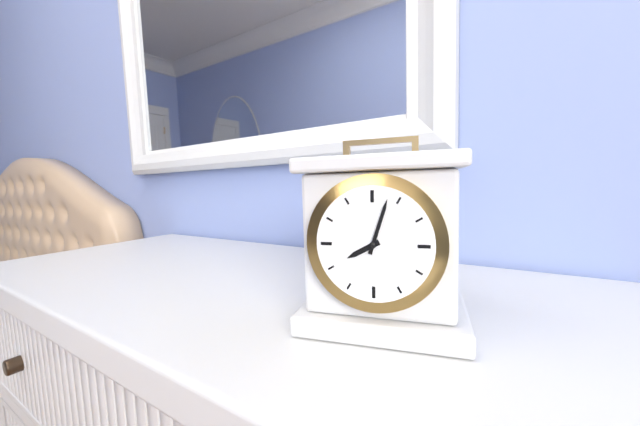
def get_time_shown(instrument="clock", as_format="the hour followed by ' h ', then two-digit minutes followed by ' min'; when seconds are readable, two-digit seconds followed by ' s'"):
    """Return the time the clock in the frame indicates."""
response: 8 h 03 min
